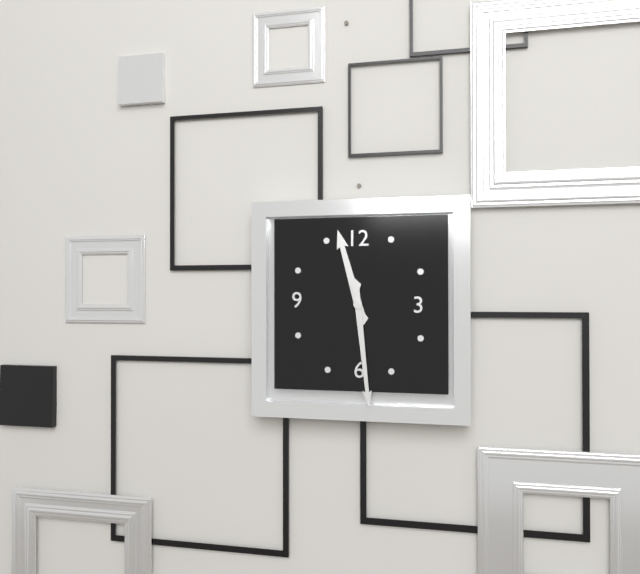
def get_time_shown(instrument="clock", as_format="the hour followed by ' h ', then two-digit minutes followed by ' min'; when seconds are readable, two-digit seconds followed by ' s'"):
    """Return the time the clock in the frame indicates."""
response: 11 h 29 min
